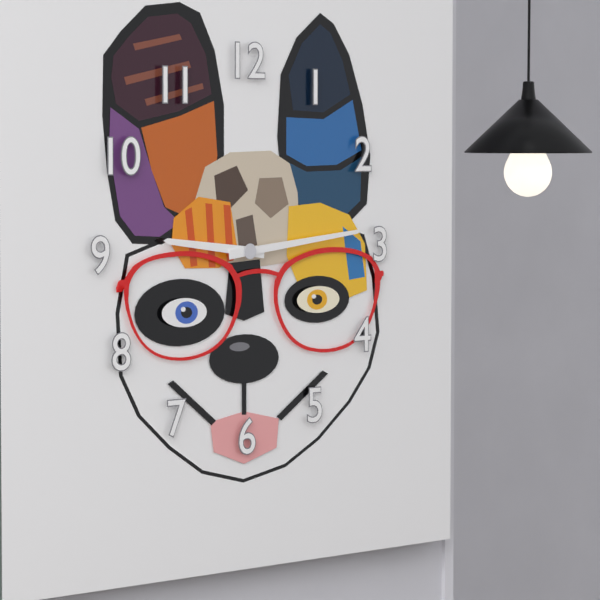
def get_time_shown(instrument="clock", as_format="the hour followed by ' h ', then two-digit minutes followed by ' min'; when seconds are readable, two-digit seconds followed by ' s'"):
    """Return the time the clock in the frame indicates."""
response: 9 h 14 min
